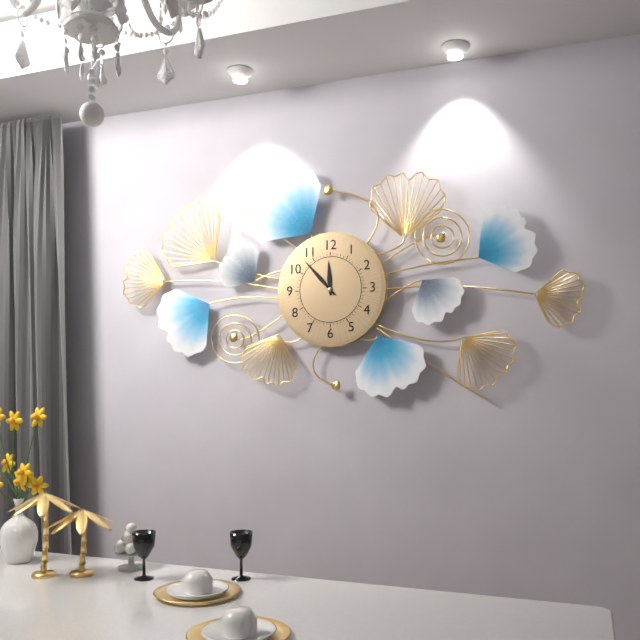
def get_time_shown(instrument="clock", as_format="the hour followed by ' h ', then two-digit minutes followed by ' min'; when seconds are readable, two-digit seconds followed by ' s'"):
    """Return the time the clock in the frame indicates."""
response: 11 h 53 min
